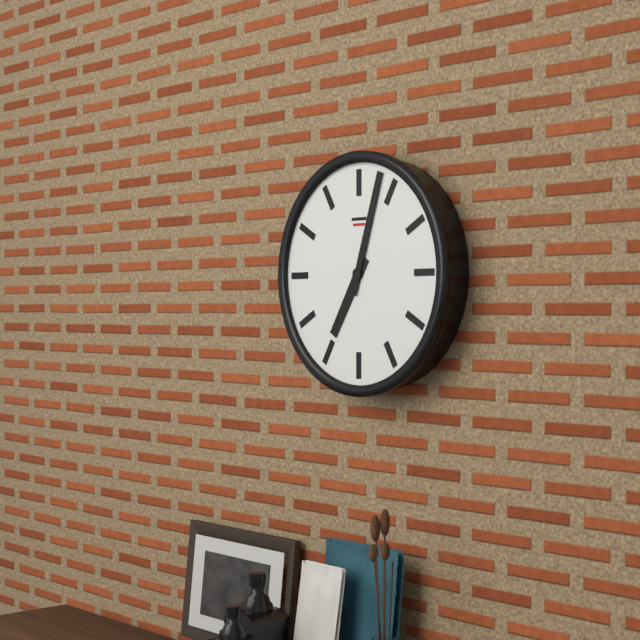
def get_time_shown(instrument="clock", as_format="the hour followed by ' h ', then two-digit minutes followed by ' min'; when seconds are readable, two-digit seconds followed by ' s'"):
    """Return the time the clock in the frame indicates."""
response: 7 h 03 min
